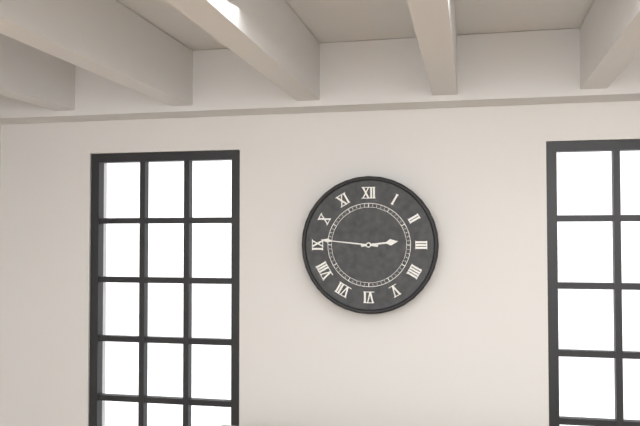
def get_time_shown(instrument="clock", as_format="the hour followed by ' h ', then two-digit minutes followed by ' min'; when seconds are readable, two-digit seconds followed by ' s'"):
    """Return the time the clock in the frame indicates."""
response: 2 h 46 min
